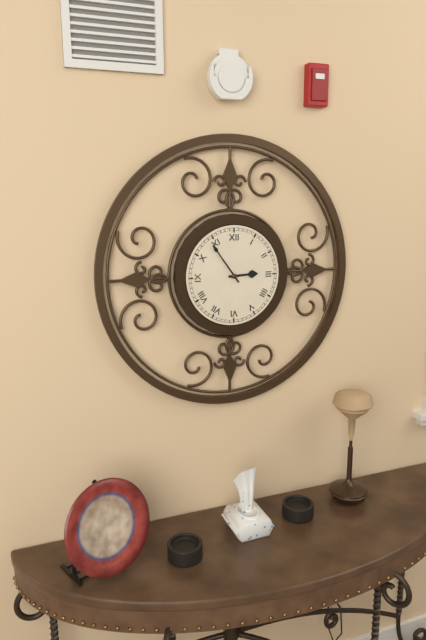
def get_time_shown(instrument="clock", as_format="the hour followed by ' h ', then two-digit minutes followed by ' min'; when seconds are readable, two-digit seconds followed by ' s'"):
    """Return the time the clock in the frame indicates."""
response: 2 h 54 min
